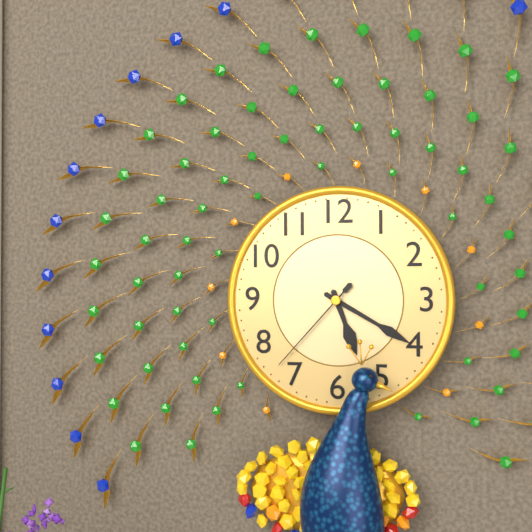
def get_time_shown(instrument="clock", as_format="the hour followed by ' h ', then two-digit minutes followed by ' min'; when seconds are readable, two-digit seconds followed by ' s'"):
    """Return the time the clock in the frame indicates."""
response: 5 h 20 min 37 s
